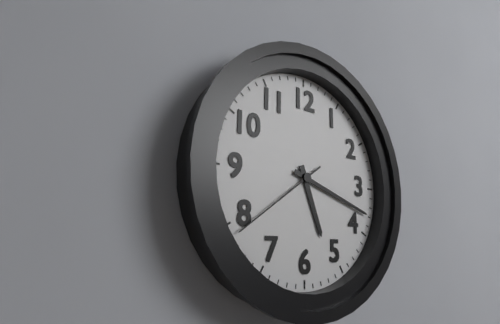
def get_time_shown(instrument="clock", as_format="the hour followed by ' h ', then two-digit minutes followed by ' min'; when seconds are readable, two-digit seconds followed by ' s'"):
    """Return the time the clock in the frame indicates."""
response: 5 h 18 min 39 s
